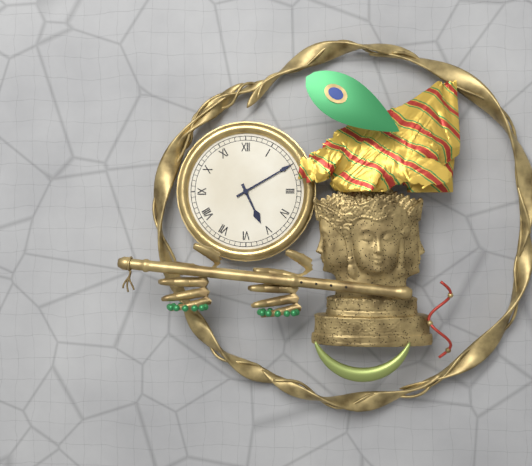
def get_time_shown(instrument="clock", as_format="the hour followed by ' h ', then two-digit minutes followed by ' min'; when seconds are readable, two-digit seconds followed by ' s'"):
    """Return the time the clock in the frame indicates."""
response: 5 h 10 min
